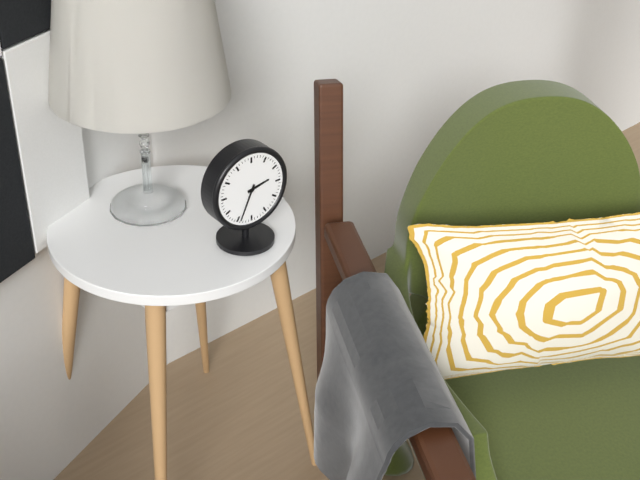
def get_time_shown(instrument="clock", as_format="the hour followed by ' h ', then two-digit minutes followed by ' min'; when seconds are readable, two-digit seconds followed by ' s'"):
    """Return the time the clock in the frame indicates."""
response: 2 h 34 min
